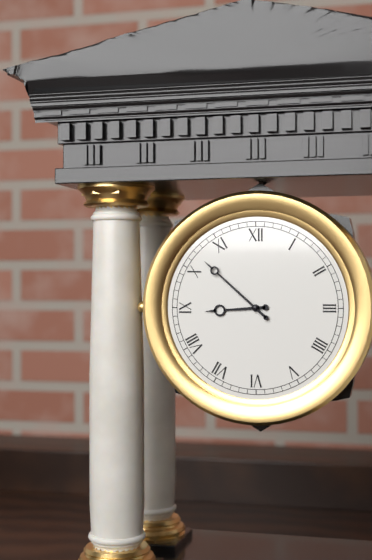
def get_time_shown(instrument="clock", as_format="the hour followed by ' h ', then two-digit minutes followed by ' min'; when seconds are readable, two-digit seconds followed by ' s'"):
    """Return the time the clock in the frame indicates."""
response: 8 h 52 min
